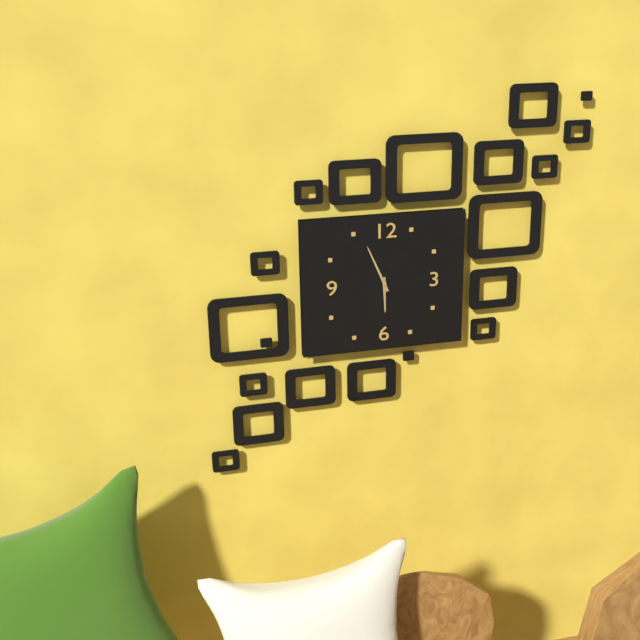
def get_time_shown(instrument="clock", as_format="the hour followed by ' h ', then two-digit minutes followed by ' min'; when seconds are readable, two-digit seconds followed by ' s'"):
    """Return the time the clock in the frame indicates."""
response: 5 h 56 min
